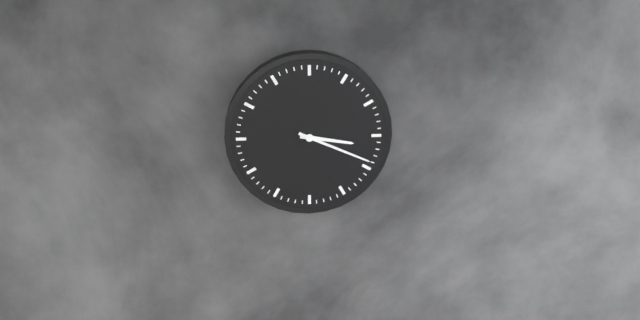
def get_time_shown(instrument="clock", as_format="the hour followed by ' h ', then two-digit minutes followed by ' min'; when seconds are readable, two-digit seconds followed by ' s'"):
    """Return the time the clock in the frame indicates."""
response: 3 h 19 min
